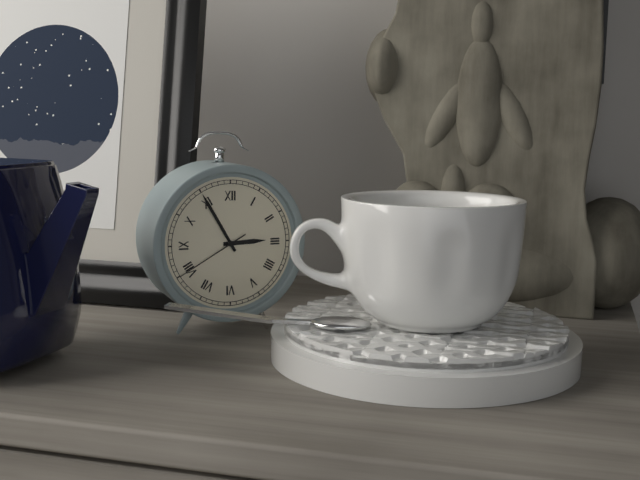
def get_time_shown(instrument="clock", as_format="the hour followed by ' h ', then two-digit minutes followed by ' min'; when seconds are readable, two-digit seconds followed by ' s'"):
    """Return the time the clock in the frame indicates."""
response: 2 h 55 min 40 s
